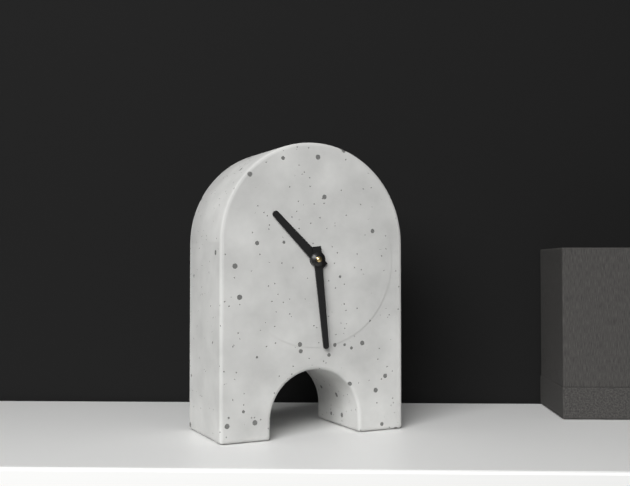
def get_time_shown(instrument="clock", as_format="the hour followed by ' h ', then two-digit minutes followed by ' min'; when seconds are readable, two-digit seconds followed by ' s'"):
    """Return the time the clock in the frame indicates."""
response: 10 h 29 min
